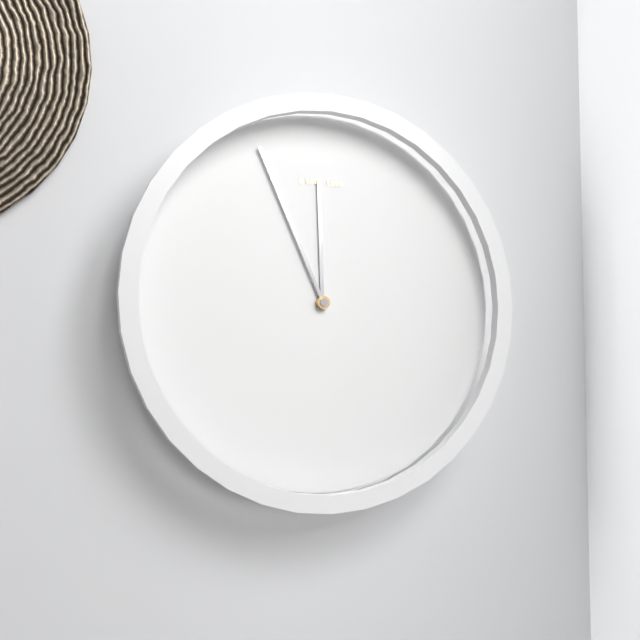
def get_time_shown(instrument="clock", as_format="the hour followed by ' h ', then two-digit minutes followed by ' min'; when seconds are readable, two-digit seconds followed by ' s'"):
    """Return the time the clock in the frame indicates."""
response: 11 h 56 min
